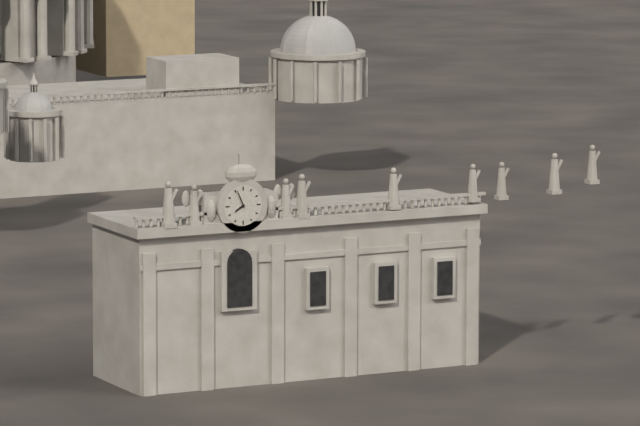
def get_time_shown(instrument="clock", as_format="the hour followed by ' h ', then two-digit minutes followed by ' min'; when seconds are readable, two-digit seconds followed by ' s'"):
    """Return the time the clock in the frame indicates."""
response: 7 h 56 min
